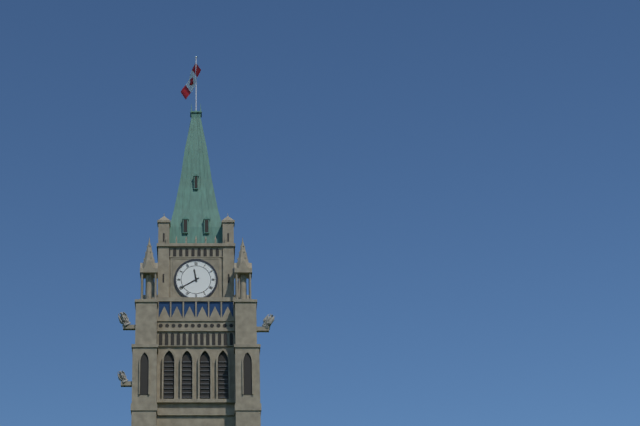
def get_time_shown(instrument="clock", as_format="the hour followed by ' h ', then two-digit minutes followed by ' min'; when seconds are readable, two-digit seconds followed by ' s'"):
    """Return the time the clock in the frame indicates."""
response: 11 h 40 min
